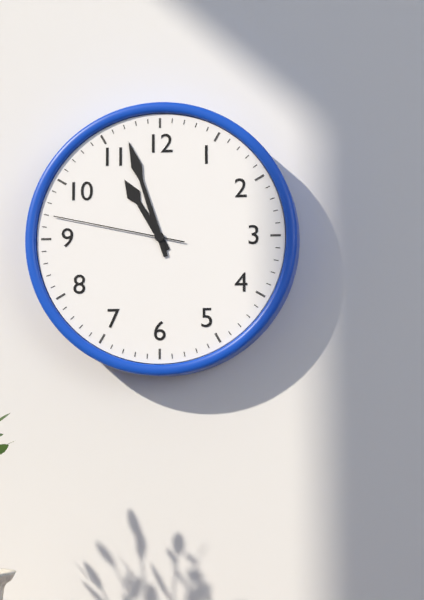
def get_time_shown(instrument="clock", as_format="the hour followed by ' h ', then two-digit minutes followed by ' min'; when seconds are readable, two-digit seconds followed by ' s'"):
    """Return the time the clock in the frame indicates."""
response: 10 h 57 min 47 s
